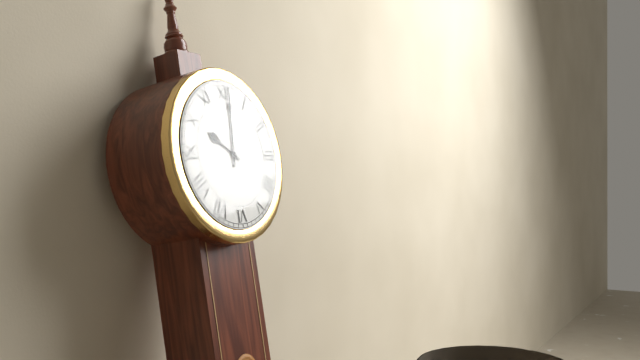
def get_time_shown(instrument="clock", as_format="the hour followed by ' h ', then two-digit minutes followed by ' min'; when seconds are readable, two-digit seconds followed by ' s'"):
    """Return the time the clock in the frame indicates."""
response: 10 h 01 min
